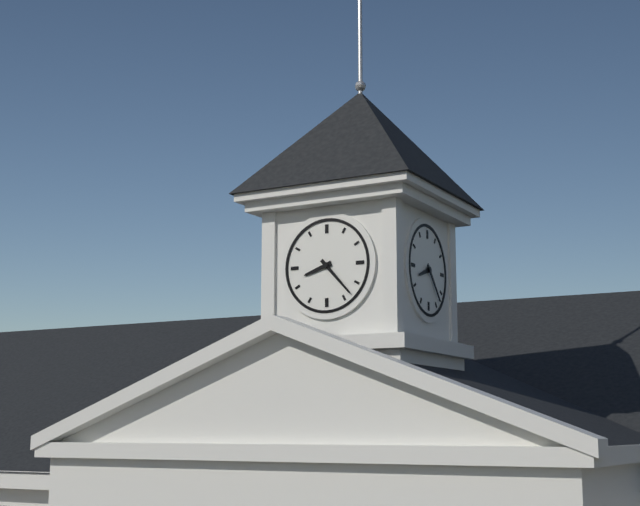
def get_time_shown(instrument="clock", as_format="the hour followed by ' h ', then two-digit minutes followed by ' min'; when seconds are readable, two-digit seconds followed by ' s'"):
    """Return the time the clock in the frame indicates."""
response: 8 h 23 min
